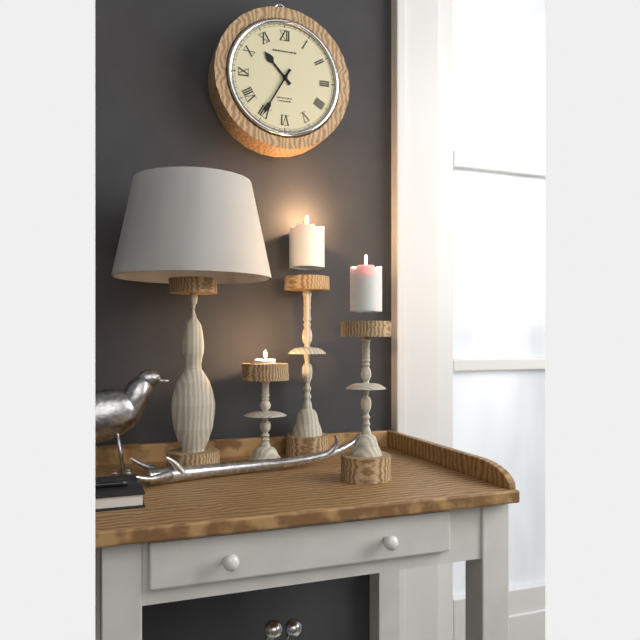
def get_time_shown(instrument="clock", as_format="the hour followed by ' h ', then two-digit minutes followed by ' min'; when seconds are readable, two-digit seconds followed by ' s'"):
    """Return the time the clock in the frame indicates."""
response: 10 h 35 min
